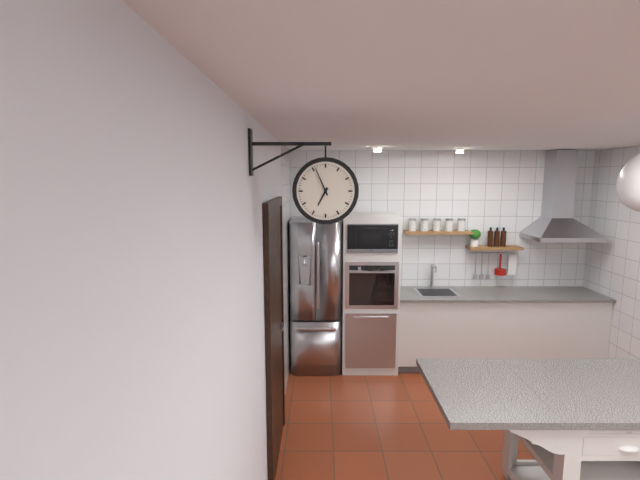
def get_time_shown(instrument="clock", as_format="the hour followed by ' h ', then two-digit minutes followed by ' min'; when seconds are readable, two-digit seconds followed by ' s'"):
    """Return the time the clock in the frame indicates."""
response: 6 h 56 min
